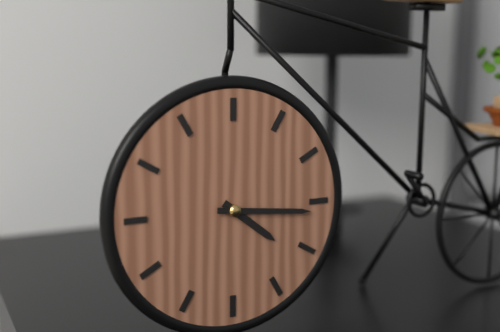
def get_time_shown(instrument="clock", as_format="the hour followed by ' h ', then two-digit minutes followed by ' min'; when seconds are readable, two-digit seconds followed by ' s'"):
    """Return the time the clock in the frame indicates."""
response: 4 h 16 min
